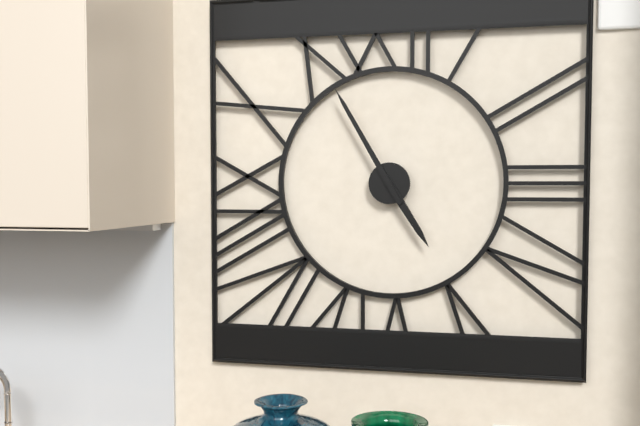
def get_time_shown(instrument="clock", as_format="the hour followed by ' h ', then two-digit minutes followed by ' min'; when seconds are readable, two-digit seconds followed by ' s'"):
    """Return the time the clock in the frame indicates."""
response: 4 h 55 min
